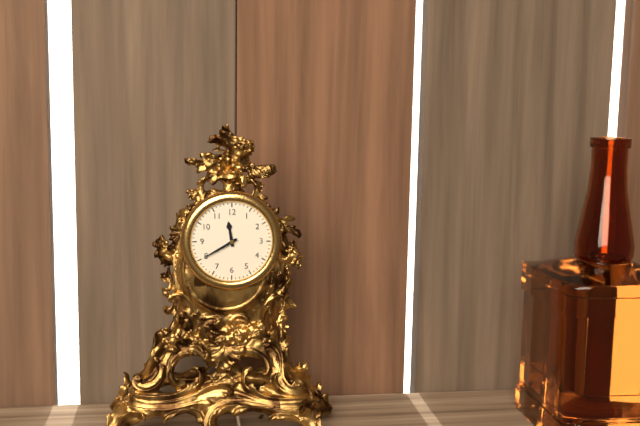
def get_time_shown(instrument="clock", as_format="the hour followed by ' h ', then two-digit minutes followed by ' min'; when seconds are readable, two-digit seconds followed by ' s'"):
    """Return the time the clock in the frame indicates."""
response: 11 h 40 min
